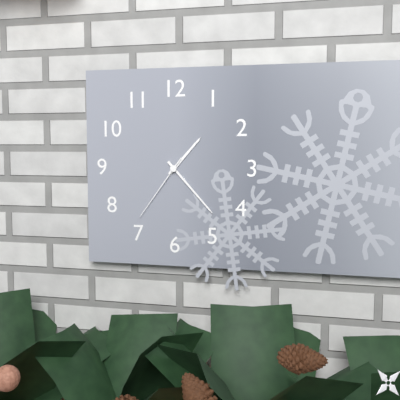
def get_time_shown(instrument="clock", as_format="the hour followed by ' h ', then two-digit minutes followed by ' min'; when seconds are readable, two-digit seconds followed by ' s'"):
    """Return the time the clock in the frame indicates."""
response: 1 h 23 min 36 s
